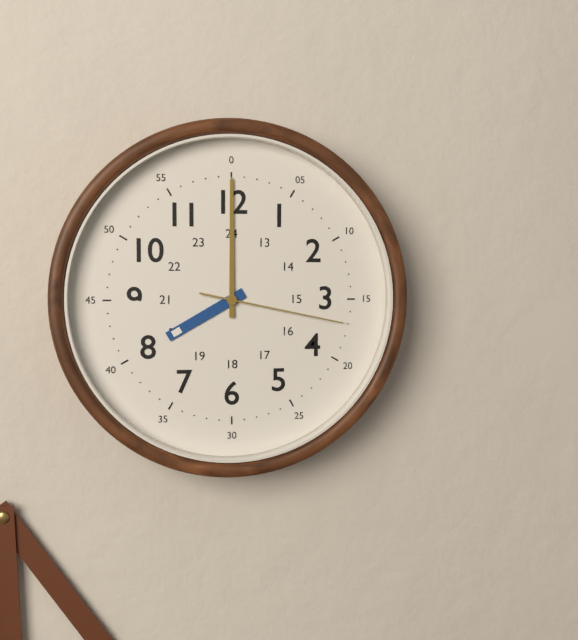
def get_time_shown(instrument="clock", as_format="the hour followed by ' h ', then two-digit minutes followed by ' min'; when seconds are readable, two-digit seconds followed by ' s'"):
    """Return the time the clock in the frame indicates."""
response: 8 h 00 min 17 s
